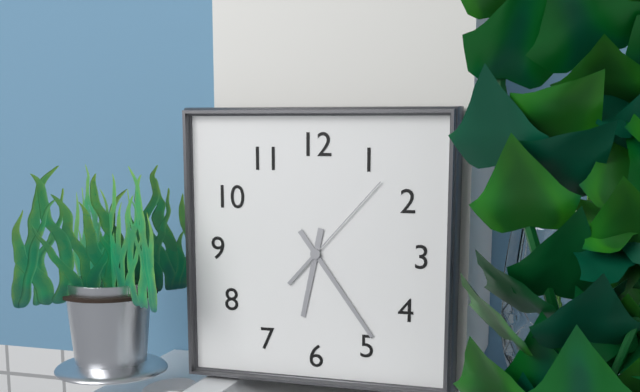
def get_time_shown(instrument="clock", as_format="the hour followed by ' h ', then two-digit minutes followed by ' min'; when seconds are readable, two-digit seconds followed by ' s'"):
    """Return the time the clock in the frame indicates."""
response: 6 h 24 min 07 s
